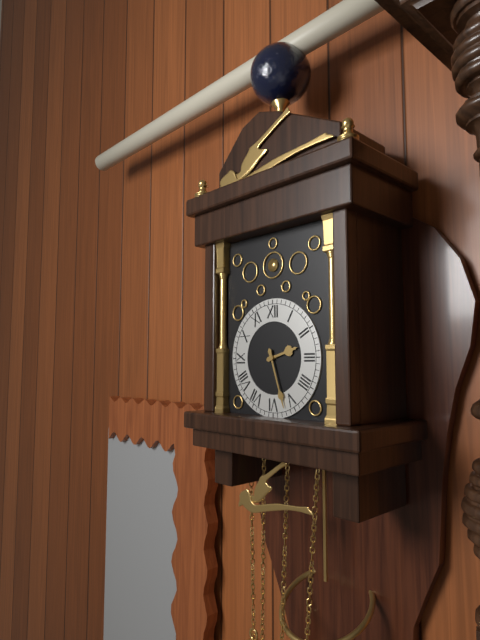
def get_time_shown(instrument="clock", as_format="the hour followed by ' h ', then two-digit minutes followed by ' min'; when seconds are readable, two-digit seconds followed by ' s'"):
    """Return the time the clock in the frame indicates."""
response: 2 h 27 min
